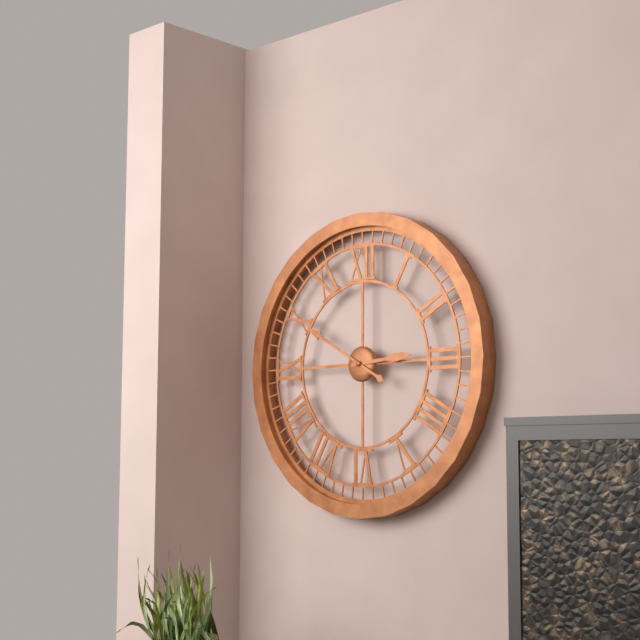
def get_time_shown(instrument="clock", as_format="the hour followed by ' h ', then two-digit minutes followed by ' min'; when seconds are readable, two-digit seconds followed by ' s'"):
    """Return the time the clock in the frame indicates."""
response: 2 h 50 min
